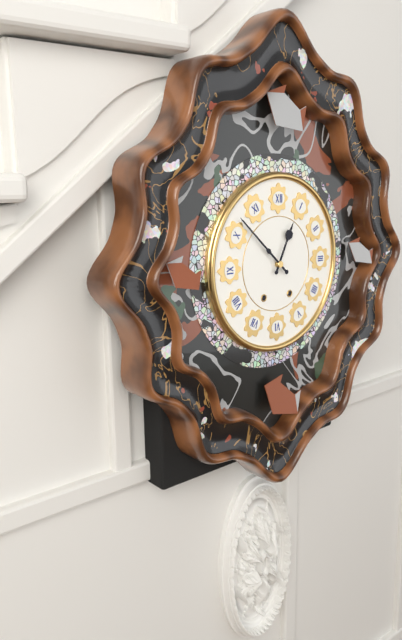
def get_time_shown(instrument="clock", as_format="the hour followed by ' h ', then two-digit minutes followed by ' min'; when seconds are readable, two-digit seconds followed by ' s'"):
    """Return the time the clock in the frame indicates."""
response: 12 h 52 min
